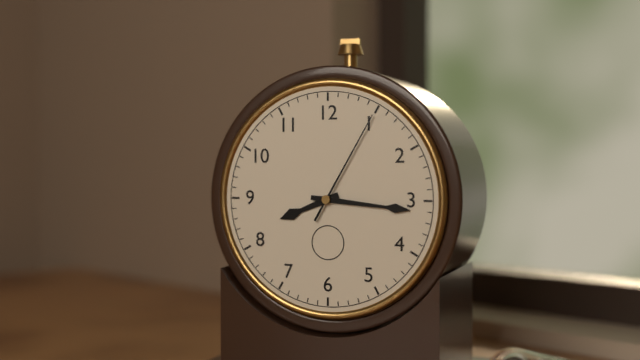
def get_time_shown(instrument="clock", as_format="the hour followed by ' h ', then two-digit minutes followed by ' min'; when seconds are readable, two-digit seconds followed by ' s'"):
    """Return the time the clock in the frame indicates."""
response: 8 h 16 min 05 s
